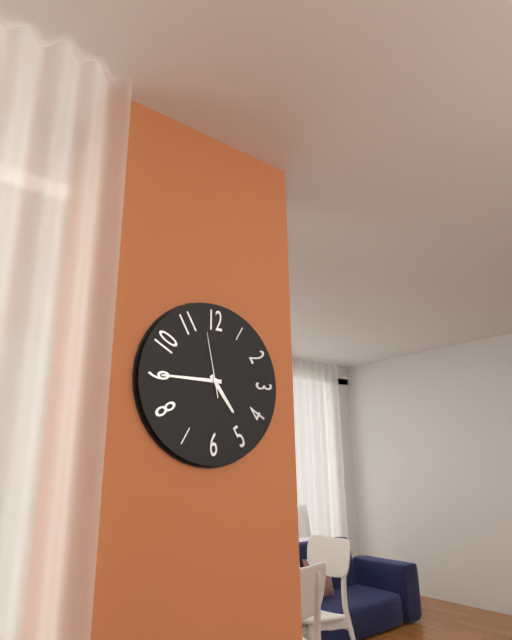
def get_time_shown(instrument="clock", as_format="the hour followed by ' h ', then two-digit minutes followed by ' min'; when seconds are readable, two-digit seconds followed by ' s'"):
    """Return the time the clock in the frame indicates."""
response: 4 h 45 min 58 s
